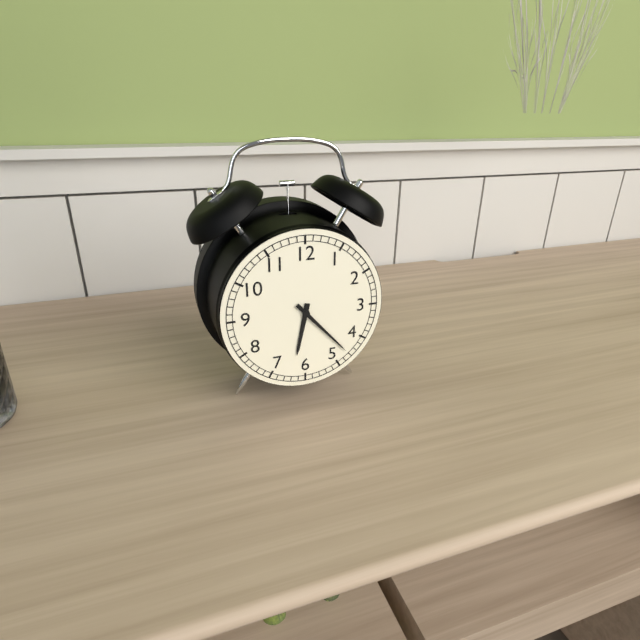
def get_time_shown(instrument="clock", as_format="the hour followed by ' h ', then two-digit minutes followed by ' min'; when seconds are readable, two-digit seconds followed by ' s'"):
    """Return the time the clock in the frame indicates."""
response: 6 h 23 min
